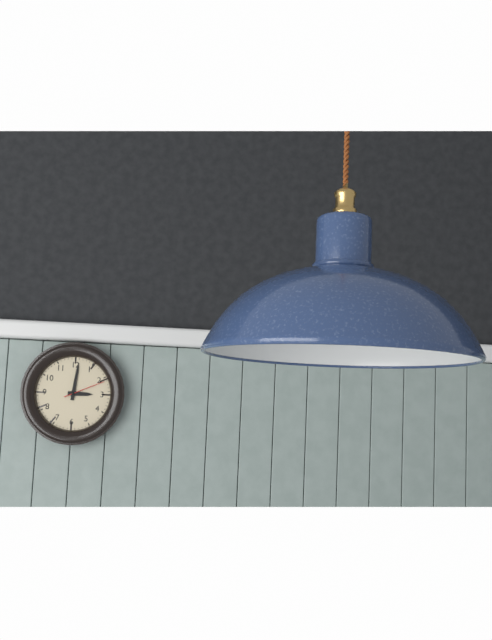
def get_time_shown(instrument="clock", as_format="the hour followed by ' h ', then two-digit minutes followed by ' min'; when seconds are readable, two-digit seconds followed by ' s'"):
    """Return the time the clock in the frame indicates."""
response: 3 h 01 min
